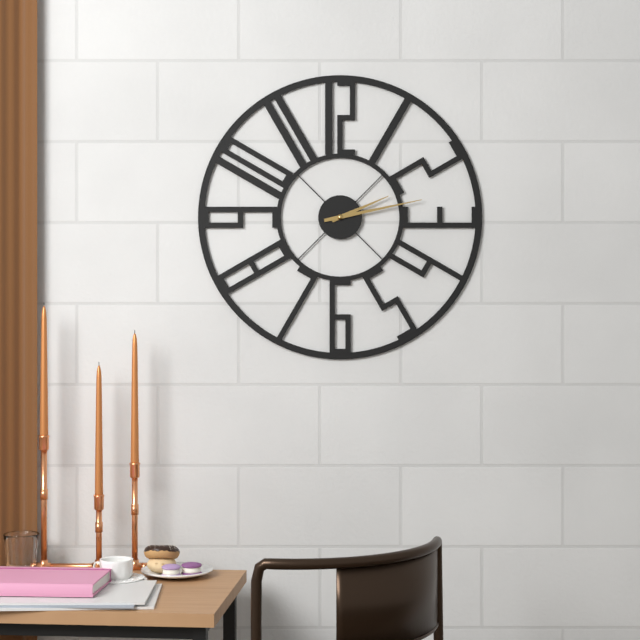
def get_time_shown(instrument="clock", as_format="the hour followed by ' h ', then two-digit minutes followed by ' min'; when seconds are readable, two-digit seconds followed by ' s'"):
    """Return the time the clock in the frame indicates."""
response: 2 h 13 min
